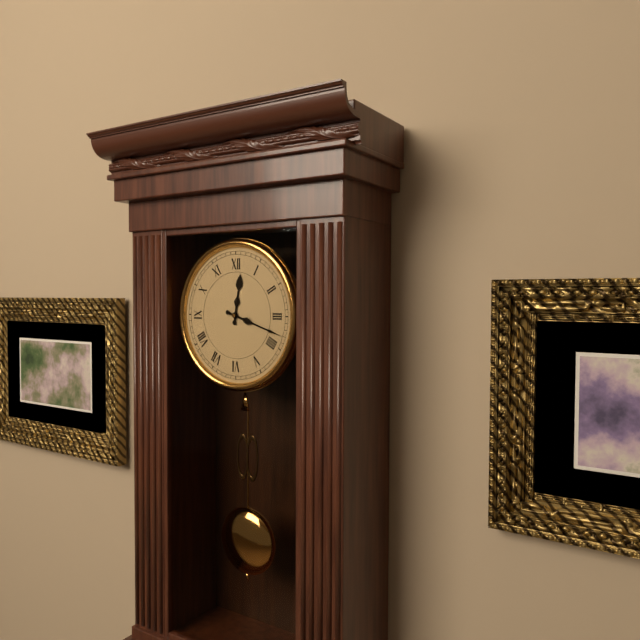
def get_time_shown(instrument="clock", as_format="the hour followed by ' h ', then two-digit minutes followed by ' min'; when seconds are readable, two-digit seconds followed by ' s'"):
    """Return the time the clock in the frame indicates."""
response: 12 h 18 min
